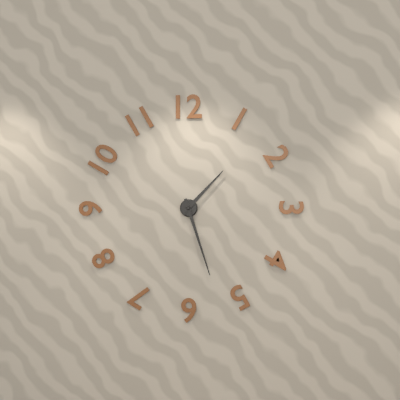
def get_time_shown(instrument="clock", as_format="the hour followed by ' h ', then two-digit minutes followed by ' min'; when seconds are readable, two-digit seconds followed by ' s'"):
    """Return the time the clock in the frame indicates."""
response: 1 h 27 min
